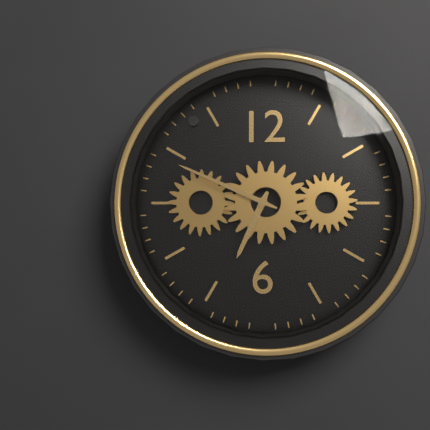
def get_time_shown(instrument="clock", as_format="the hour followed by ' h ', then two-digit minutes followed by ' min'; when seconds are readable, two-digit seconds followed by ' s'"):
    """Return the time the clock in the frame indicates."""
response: 6 h 49 min
